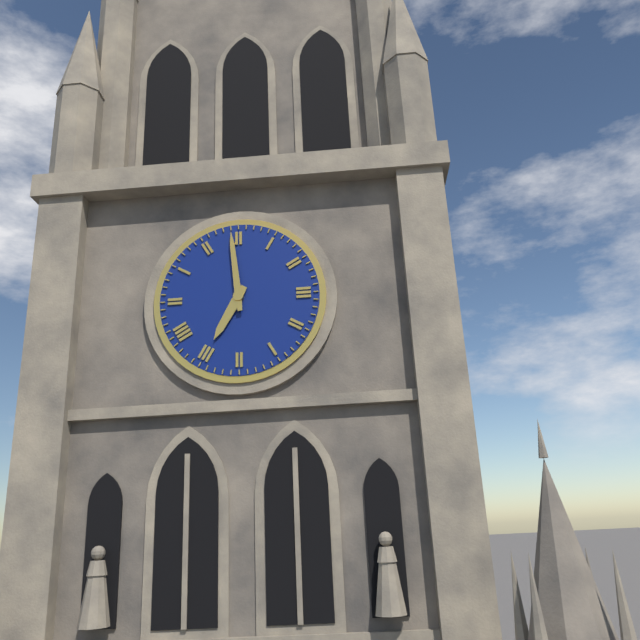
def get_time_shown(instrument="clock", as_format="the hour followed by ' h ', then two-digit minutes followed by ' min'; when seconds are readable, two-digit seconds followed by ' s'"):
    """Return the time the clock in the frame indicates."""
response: 6 h 59 min
